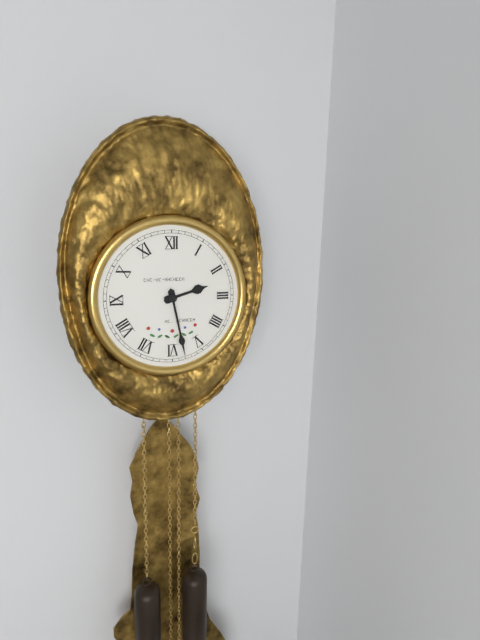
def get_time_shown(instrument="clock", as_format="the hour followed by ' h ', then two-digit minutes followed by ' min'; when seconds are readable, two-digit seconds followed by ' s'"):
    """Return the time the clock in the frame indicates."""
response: 2 h 28 min
